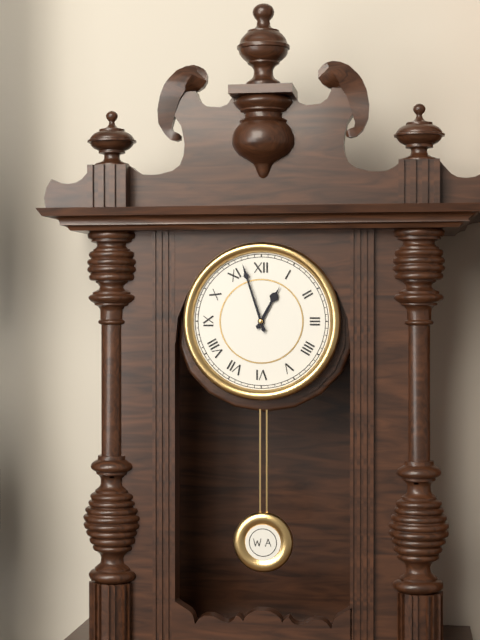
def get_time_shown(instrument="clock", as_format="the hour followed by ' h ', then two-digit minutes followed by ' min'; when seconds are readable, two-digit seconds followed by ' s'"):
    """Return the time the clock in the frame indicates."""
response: 12 h 57 min
